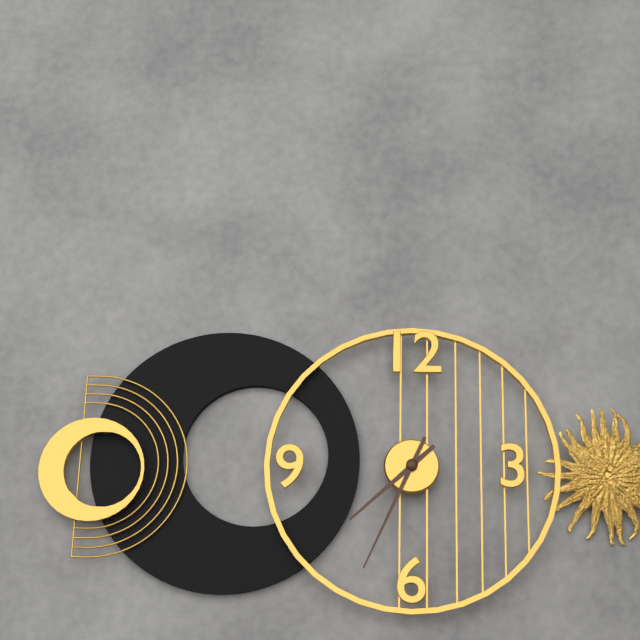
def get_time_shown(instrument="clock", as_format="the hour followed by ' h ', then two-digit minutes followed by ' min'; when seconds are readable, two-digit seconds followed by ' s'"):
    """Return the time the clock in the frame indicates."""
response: 7 h 34 min
